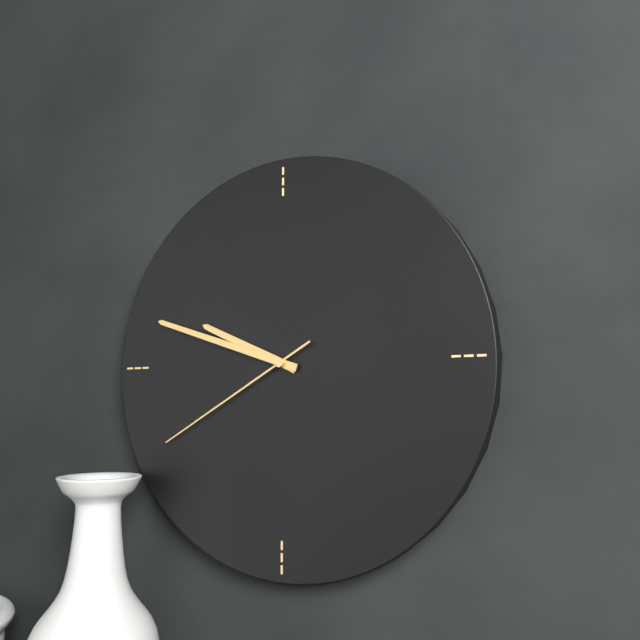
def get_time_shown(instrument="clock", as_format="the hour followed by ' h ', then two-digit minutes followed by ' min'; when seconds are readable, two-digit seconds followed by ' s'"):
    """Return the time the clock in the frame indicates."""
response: 9 h 48 min 40 s
